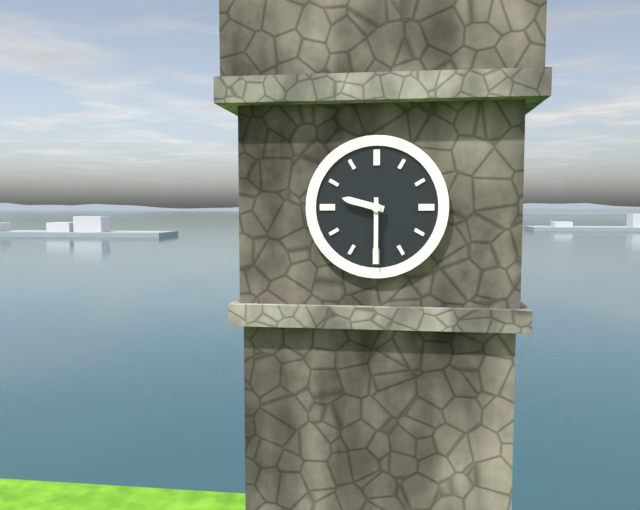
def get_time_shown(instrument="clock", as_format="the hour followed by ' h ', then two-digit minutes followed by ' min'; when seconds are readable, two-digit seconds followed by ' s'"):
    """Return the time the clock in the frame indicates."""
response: 9 h 30 min
